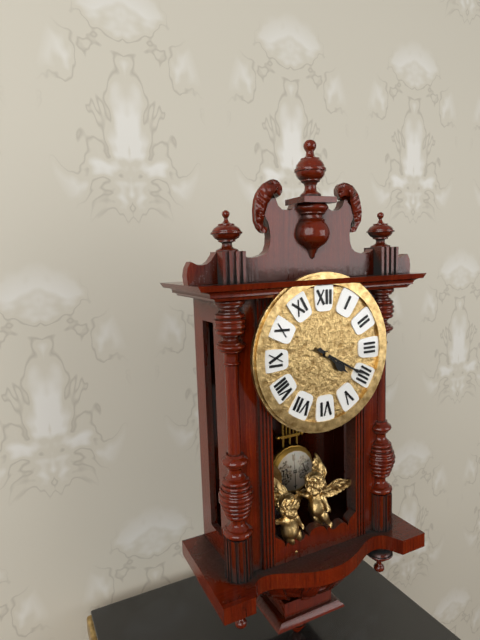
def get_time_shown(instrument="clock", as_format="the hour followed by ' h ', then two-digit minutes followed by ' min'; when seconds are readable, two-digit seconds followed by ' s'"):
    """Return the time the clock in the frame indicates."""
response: 4 h 20 min
